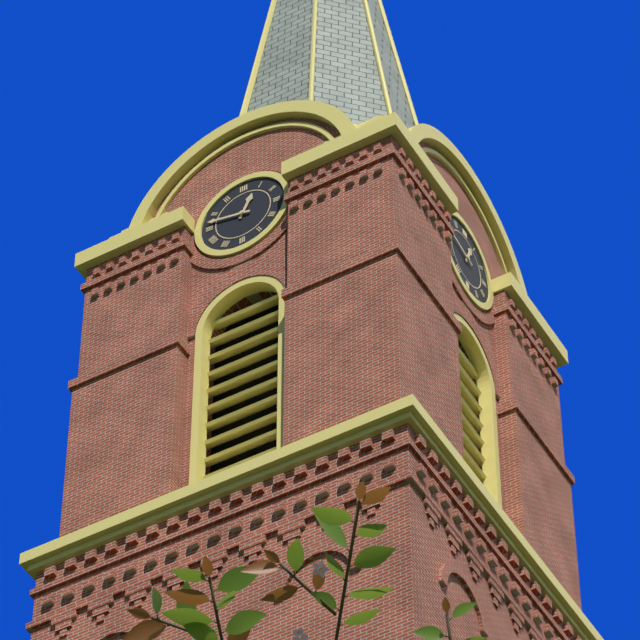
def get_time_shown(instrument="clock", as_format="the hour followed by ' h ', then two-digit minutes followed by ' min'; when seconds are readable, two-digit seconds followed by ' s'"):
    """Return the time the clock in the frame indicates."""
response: 12 h 47 min
